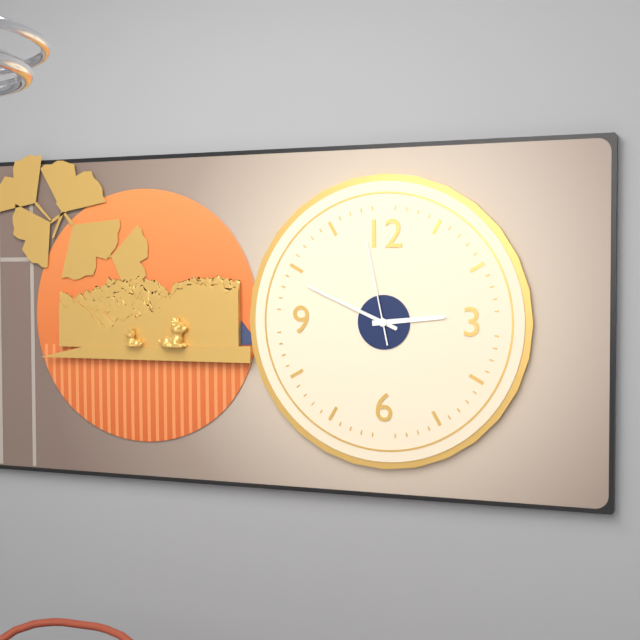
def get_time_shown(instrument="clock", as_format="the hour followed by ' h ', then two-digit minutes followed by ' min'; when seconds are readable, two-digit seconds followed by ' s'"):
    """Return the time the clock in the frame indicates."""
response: 2 h 49 min 58 s
